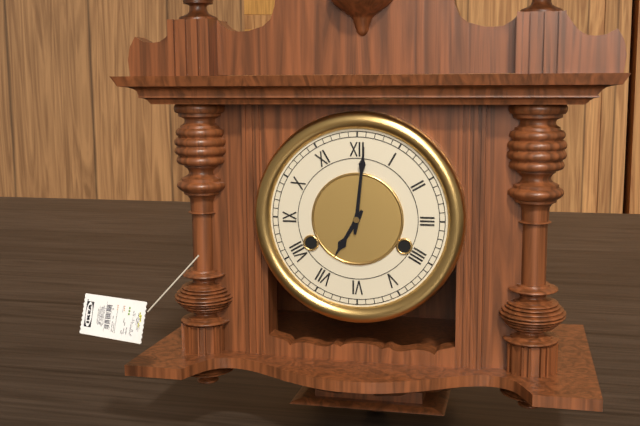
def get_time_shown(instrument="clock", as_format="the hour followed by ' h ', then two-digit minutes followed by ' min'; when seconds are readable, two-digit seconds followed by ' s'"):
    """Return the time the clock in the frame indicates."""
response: 7 h 01 min
